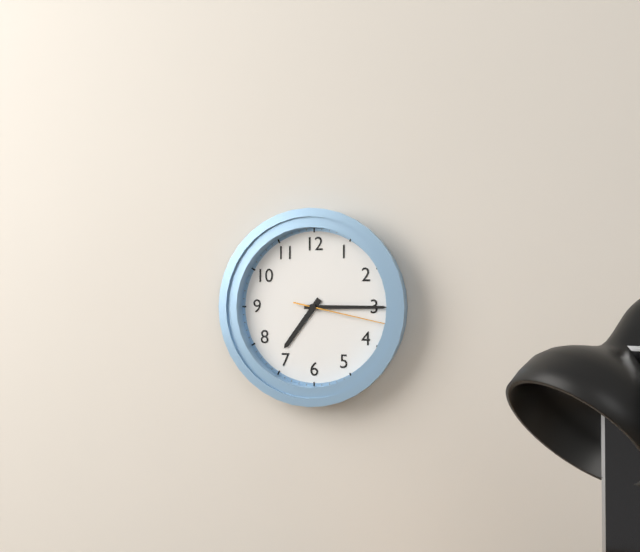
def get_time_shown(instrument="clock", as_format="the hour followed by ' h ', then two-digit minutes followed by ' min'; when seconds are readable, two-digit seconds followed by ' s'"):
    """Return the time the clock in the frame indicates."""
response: 7 h 15 min 17 s
